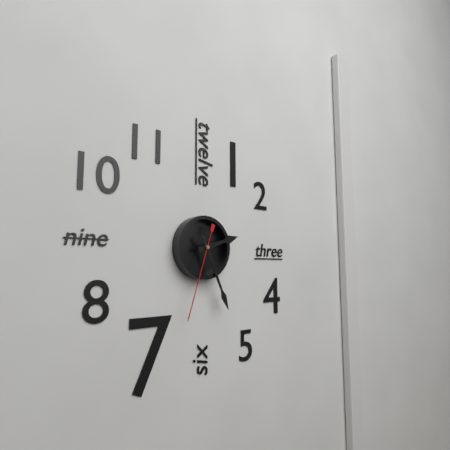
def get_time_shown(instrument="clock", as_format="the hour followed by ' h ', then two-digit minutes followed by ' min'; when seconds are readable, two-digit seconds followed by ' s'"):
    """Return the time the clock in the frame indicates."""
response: 2 h 26 min 33 s
